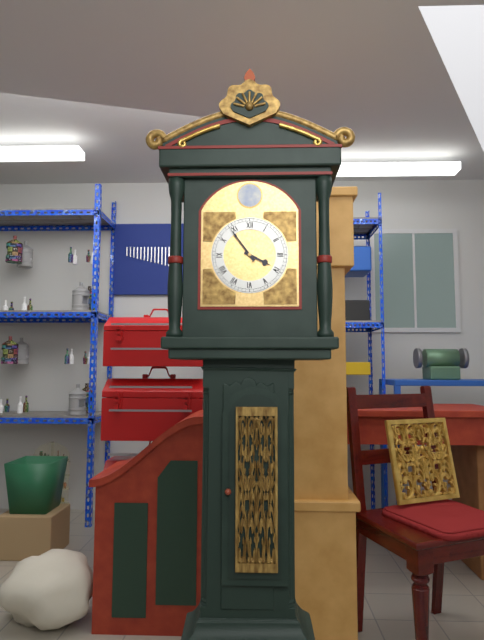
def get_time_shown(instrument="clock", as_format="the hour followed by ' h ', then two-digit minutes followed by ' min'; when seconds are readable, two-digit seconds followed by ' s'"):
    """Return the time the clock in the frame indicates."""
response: 3 h 54 min
